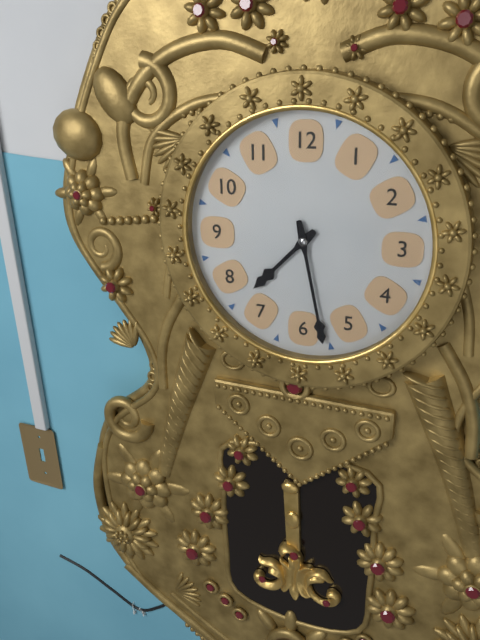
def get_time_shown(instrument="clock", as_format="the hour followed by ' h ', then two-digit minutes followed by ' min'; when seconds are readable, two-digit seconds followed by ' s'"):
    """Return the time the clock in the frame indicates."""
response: 7 h 28 min
